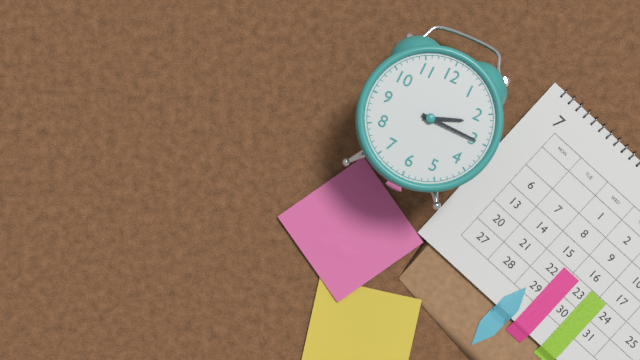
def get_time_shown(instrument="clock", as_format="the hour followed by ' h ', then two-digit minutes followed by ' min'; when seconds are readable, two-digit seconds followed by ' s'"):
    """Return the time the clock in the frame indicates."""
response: 2 h 15 min
